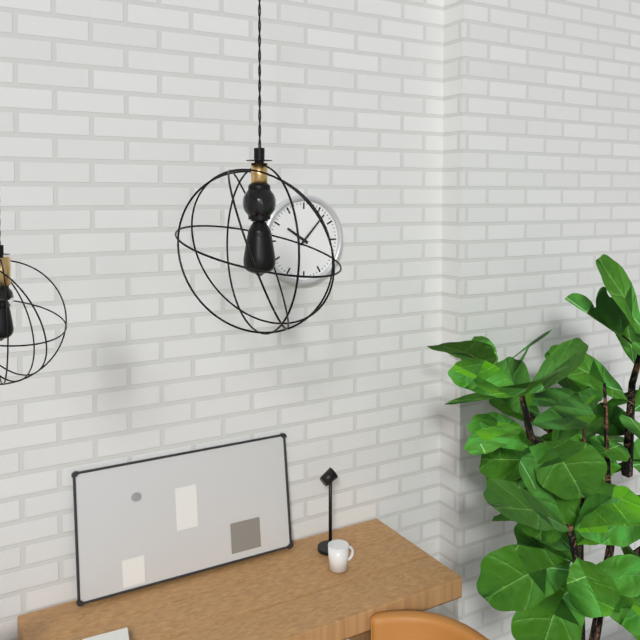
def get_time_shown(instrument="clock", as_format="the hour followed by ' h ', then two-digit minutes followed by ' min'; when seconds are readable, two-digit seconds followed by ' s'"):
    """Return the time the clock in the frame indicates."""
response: 10 h 07 min
